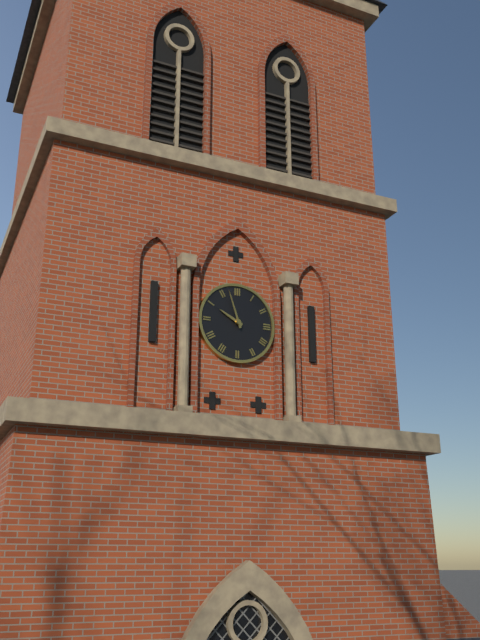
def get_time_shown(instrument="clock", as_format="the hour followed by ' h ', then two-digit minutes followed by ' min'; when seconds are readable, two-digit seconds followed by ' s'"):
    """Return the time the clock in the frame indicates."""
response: 9 h 57 min
